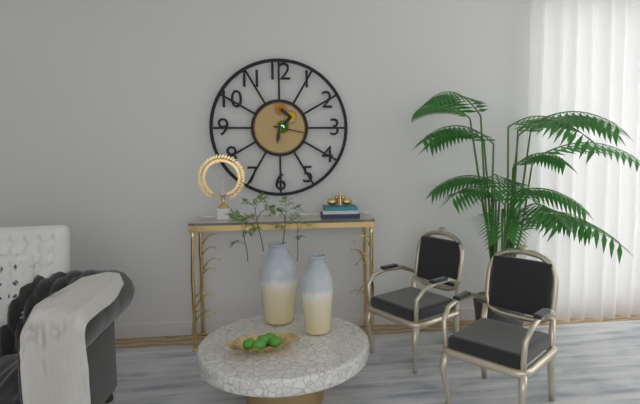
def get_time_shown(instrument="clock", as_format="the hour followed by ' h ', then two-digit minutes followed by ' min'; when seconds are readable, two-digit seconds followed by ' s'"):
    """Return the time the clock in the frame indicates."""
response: 6 h 17 min
